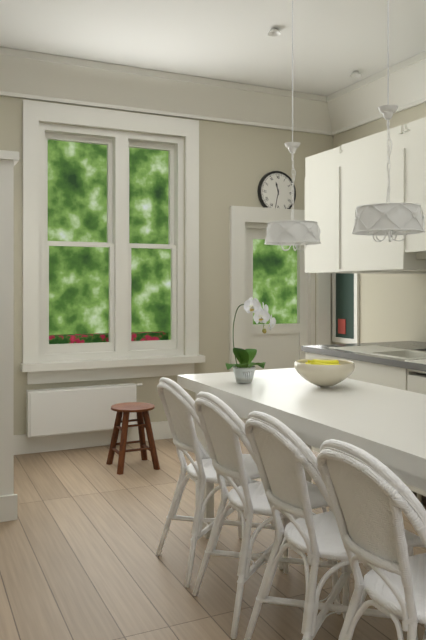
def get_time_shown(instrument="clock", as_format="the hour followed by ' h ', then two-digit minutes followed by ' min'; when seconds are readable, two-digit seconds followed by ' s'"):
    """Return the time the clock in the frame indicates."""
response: 11 h 32 min
